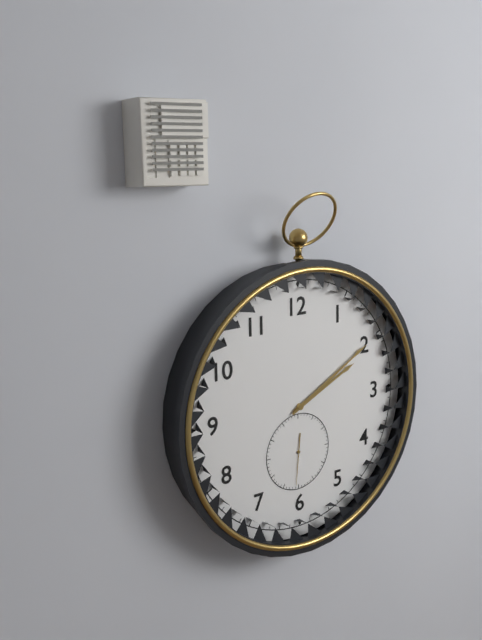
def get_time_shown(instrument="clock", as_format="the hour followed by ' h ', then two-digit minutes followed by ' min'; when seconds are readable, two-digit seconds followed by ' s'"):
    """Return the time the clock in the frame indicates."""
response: 2 h 10 min
